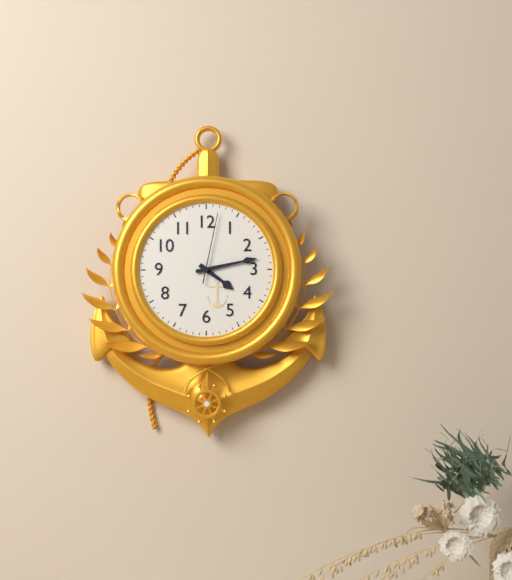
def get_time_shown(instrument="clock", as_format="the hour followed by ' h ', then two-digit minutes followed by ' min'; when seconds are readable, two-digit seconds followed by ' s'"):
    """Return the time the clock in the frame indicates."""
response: 4 h 13 min 02 s
